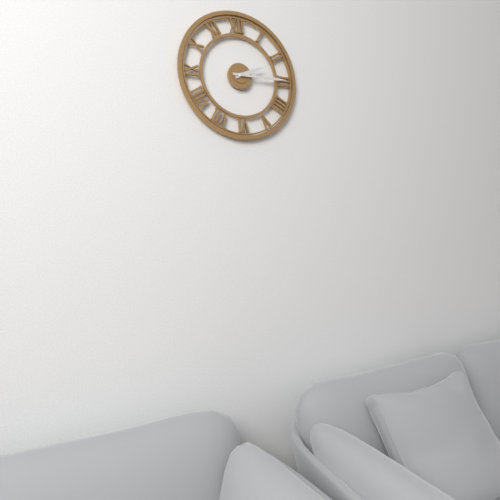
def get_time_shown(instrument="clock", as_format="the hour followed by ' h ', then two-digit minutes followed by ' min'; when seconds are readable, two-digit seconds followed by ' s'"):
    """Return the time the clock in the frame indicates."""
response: 2 h 15 min
